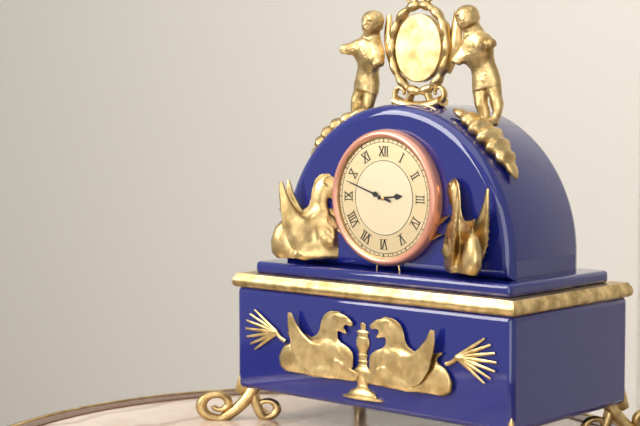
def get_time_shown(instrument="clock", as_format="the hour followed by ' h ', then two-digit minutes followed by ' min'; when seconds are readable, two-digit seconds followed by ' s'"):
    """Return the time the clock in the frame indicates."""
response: 2 h 48 min
